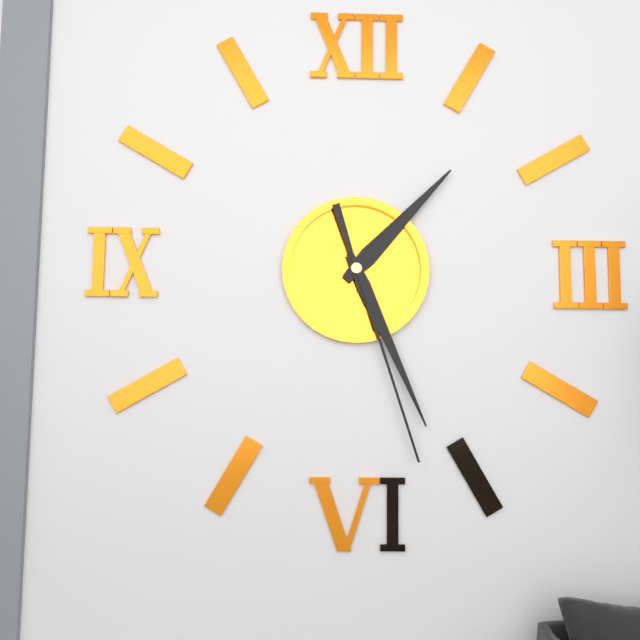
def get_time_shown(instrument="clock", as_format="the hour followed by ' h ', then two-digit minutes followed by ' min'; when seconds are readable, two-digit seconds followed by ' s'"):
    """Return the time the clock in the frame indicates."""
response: 1 h 26 min 27 s
